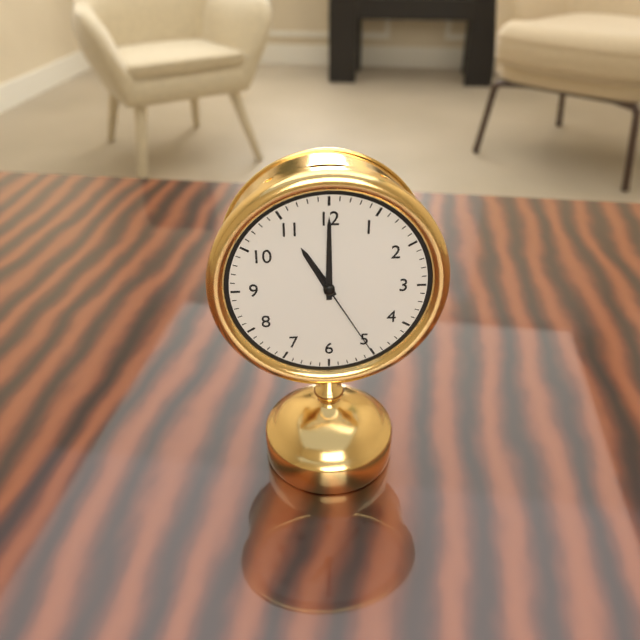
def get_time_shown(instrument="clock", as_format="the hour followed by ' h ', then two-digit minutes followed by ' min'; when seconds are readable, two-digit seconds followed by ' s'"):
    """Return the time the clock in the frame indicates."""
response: 11 h 00 min 25 s
